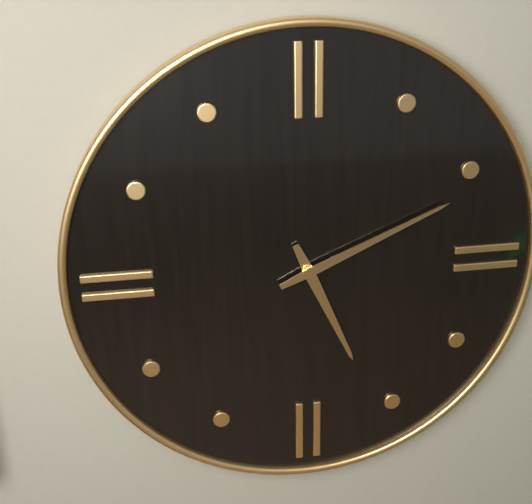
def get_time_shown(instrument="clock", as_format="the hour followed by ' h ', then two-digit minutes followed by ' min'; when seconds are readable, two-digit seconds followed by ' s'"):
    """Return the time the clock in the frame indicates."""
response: 5 h 11 min
